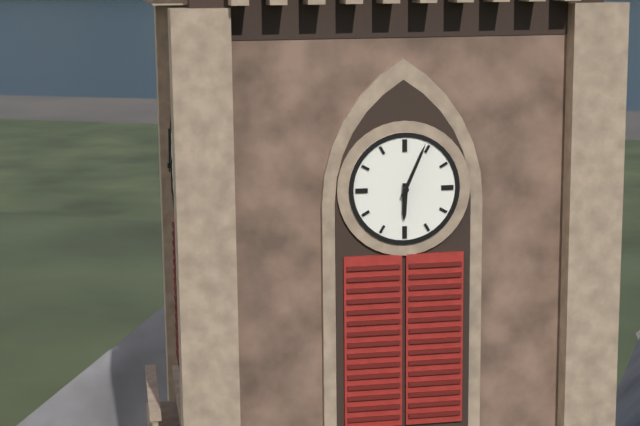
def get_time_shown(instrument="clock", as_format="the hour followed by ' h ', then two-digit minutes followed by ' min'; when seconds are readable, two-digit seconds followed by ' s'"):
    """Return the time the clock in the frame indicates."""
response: 6 h 04 min
